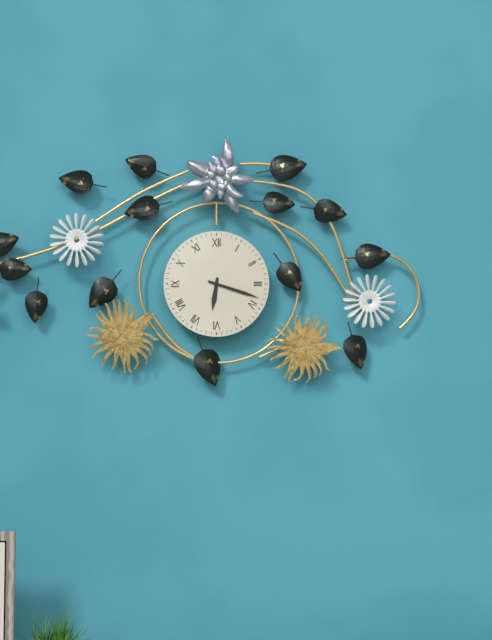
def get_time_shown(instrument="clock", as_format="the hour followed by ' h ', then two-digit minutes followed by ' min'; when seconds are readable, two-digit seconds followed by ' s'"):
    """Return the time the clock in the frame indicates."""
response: 6 h 18 min
